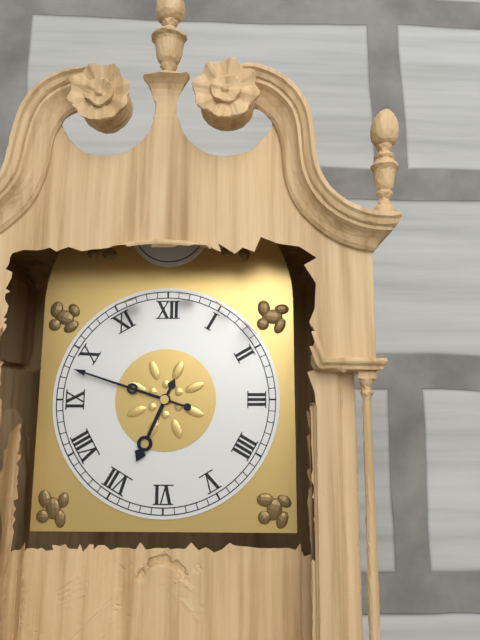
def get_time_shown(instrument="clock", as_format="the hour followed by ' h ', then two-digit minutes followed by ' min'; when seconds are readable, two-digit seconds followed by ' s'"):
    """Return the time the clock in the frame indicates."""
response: 6 h 48 min
